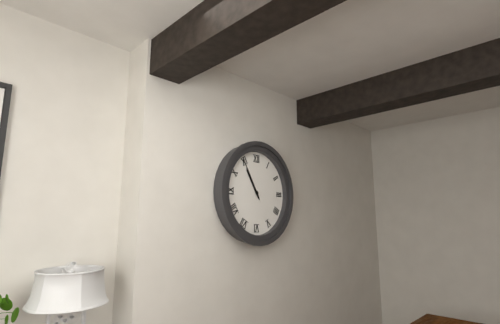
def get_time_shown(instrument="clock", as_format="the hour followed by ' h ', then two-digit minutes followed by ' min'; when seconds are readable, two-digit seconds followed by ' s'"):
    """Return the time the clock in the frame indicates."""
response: 10 h 55 min
